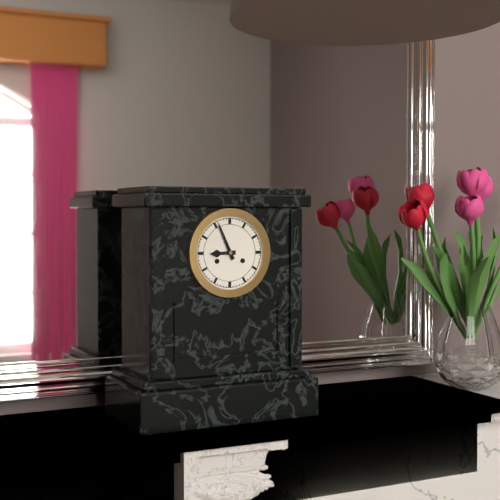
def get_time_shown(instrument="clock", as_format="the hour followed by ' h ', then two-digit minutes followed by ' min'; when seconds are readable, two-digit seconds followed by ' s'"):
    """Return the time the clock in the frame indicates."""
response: 8 h 56 min
